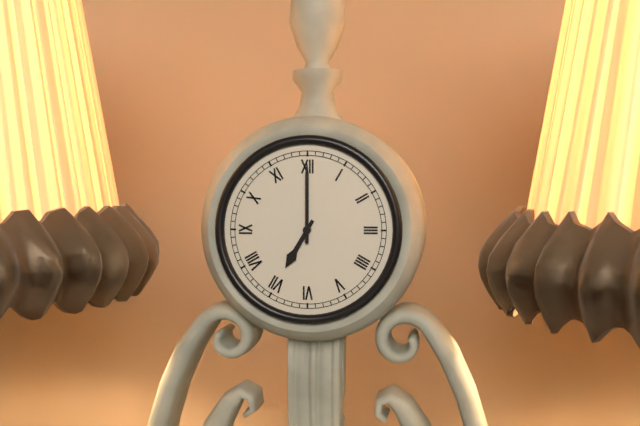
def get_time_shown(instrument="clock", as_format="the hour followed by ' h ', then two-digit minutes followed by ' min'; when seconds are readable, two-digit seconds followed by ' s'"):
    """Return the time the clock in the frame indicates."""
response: 7 h 00 min
